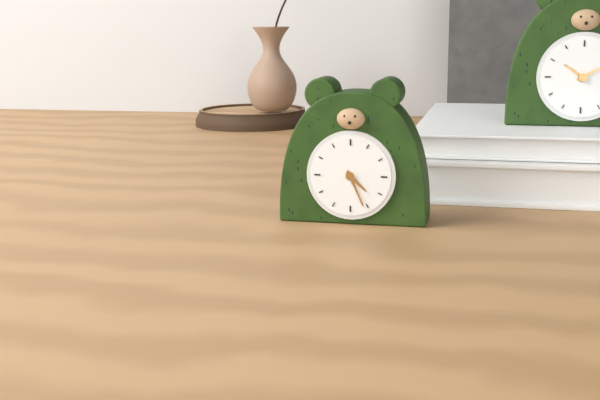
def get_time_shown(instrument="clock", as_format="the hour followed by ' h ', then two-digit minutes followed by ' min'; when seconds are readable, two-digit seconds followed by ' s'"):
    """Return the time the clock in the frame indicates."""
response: 4 h 26 min
